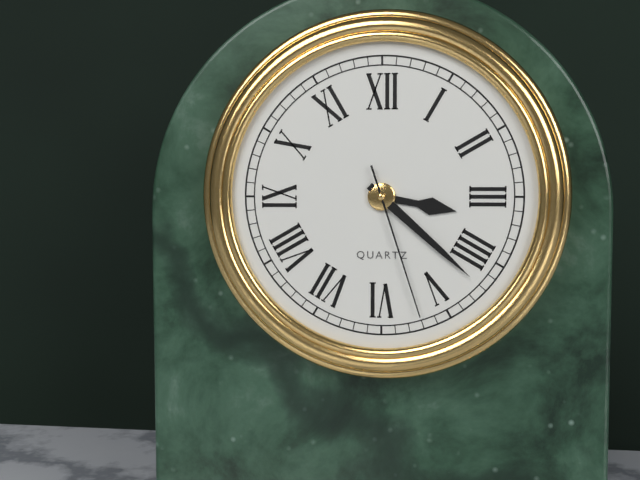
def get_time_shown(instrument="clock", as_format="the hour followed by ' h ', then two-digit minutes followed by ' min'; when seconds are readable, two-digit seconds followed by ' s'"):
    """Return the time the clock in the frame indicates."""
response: 3 h 22 min 27 s
